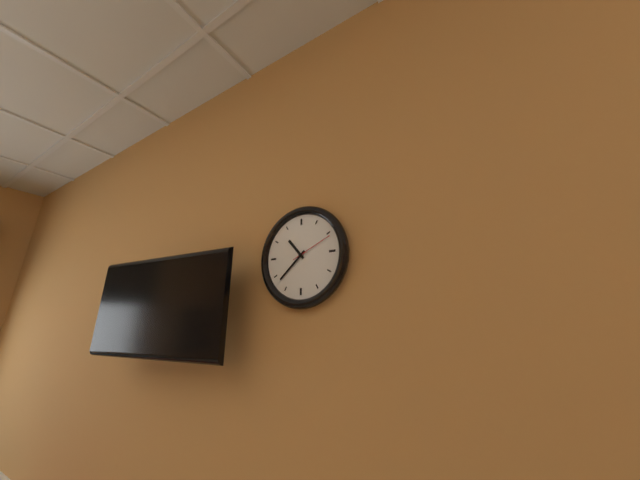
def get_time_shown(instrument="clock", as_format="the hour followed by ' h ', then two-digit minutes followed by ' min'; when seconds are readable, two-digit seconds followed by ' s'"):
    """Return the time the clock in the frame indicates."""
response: 10 h 38 min
